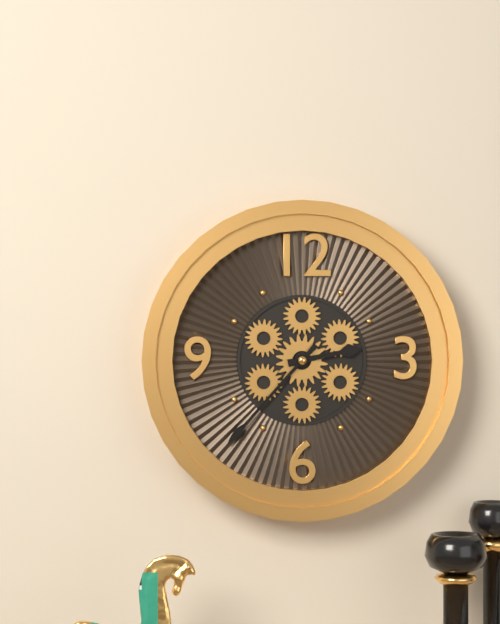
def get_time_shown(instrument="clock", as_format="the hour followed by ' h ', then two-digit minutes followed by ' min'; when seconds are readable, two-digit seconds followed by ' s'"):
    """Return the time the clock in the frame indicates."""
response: 2 h 37 min
